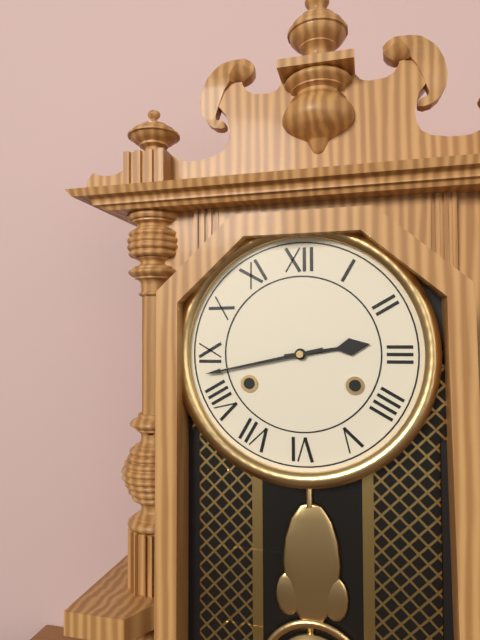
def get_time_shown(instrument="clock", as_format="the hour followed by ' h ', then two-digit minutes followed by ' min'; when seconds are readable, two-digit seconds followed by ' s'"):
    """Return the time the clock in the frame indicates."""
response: 2 h 43 min
